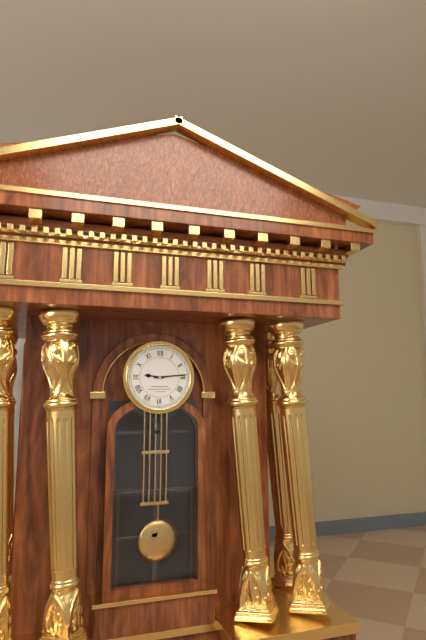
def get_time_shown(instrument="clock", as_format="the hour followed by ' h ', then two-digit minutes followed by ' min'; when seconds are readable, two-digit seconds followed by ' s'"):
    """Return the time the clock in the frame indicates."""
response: 9 h 14 min
